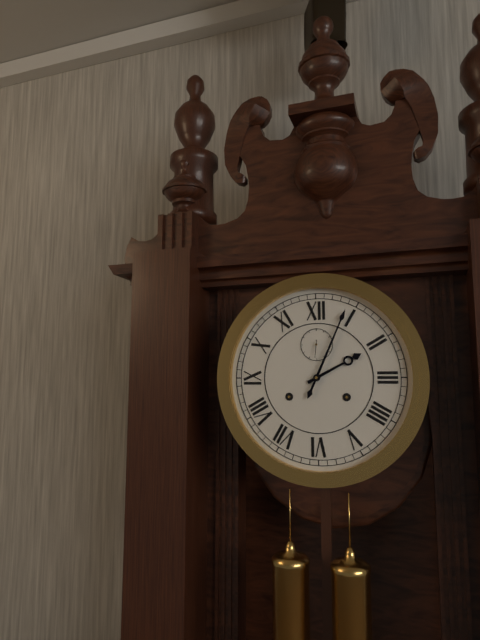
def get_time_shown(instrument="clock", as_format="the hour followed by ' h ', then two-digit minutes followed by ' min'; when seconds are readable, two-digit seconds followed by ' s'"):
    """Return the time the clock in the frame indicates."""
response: 2 h 04 min
